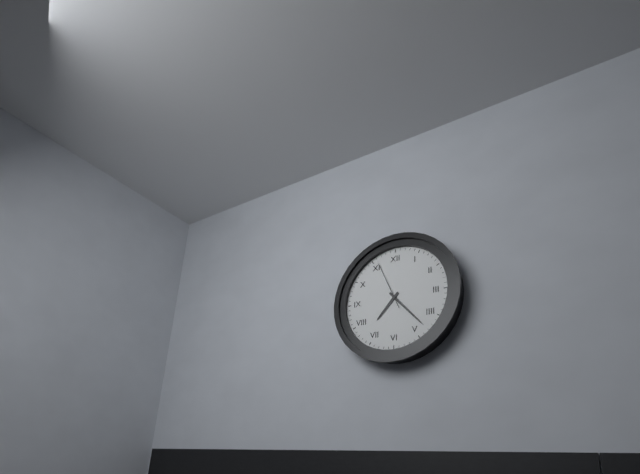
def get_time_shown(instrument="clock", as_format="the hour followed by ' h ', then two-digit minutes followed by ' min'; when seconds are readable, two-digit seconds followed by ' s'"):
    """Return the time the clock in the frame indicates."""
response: 7 h 23 min
